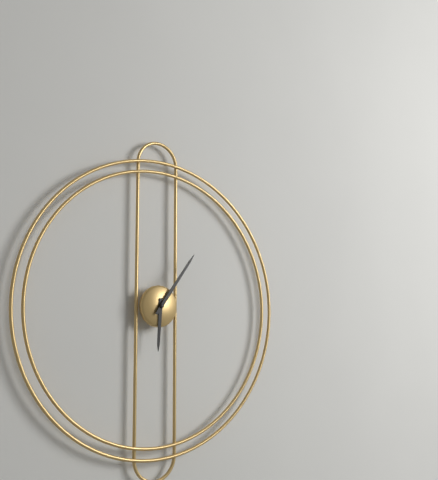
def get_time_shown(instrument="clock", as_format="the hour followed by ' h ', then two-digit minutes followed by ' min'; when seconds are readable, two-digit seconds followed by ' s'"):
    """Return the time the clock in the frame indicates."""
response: 6 h 06 min
